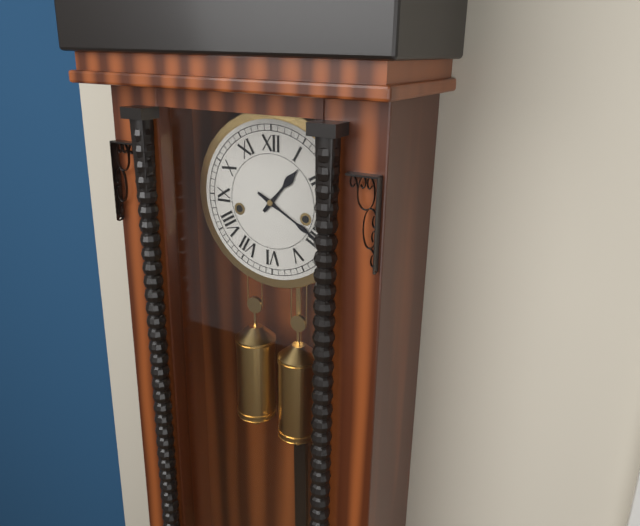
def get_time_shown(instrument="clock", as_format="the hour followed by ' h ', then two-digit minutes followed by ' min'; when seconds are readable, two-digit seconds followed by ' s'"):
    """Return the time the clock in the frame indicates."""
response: 1 h 20 min
